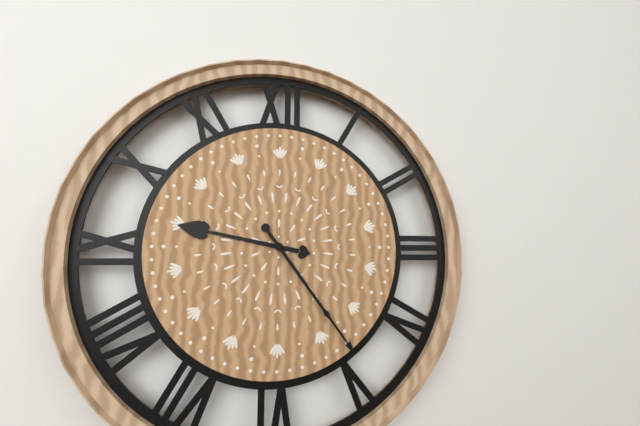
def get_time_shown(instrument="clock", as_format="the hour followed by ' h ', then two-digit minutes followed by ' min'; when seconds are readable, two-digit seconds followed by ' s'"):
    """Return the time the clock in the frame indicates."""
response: 9 h 24 min
